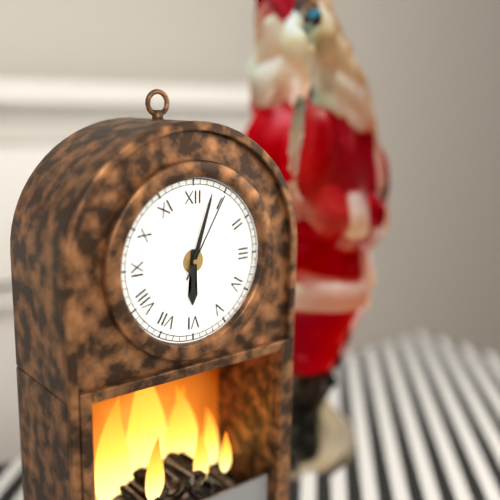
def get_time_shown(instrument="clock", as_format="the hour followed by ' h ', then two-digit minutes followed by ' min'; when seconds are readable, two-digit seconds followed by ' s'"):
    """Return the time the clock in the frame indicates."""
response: 6 h 03 min 05 s
